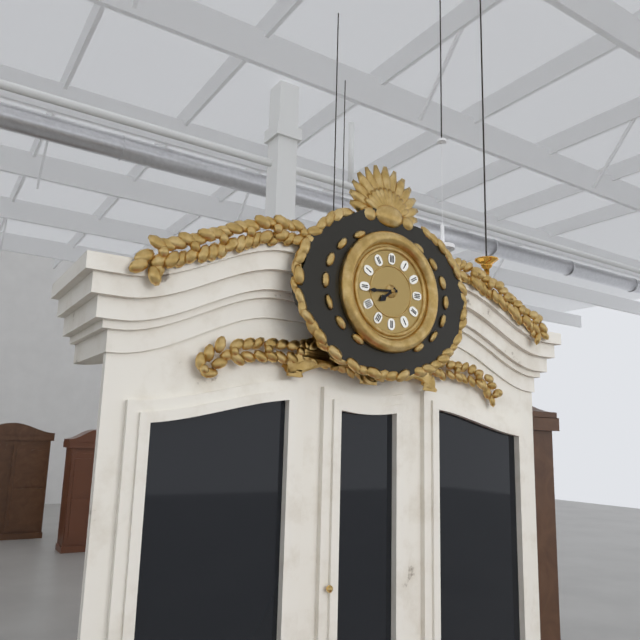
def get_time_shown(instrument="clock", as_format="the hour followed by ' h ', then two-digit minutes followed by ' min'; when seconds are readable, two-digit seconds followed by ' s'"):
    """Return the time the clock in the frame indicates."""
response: 7 h 44 min
